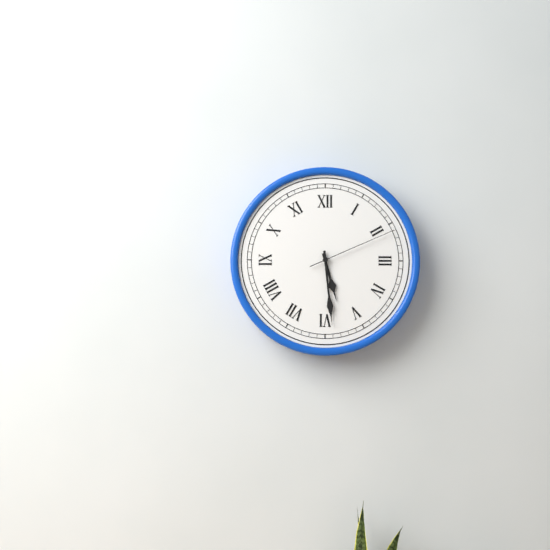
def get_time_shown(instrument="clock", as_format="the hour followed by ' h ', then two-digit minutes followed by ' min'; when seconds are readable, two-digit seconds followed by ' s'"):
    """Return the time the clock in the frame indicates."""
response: 5 h 29 min 11 s
